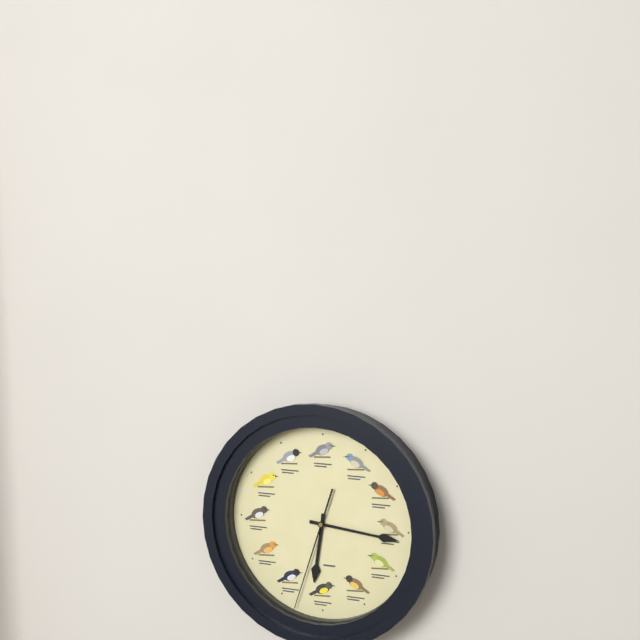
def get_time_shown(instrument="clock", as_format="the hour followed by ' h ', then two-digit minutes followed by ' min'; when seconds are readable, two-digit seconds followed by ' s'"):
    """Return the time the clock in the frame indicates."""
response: 6 h 16 min 33 s
